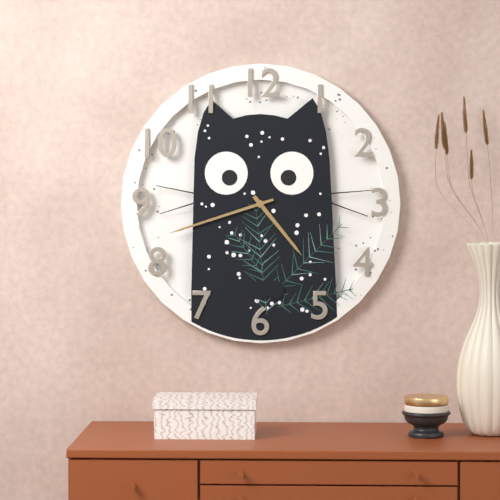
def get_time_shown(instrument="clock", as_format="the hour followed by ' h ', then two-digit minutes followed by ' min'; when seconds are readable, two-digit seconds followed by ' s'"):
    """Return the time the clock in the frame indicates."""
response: 4 h 42 min
